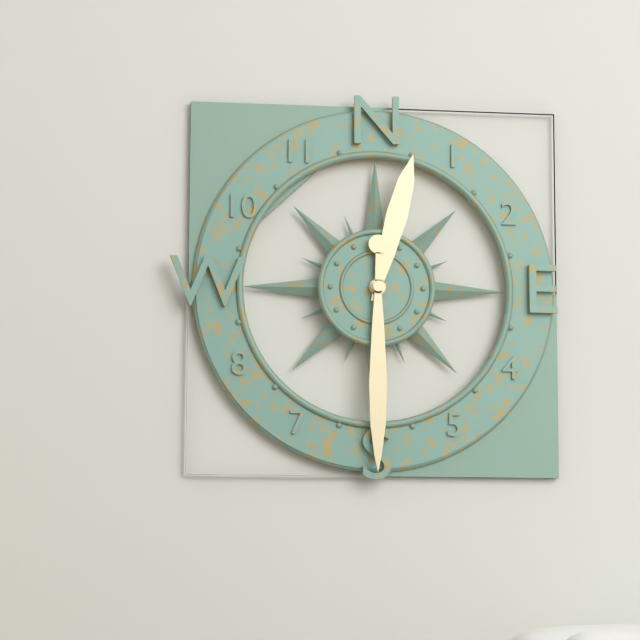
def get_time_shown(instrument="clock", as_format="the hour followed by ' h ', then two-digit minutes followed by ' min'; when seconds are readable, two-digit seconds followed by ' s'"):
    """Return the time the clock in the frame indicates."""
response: 12 h 30 min
